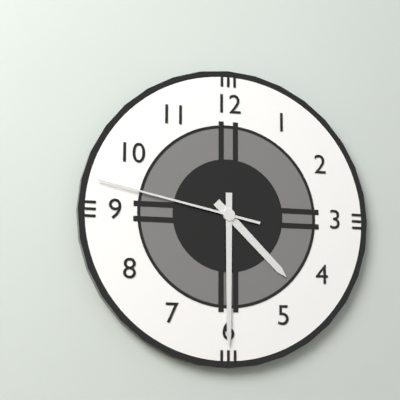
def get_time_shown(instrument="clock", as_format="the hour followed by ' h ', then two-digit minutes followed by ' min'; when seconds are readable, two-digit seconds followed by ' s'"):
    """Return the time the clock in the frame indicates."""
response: 4 h 30 min 47 s
